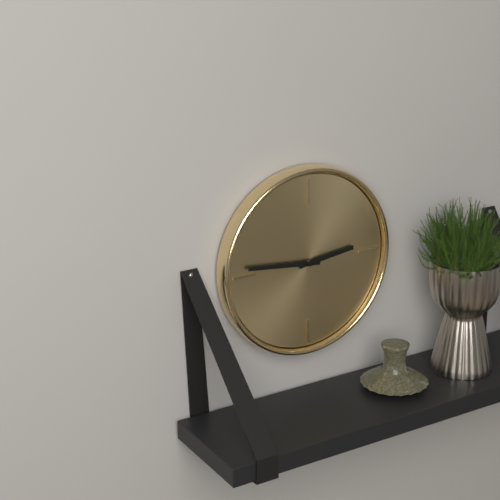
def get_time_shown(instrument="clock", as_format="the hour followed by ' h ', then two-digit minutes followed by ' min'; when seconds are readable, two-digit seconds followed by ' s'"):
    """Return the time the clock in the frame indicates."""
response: 2 h 46 min
